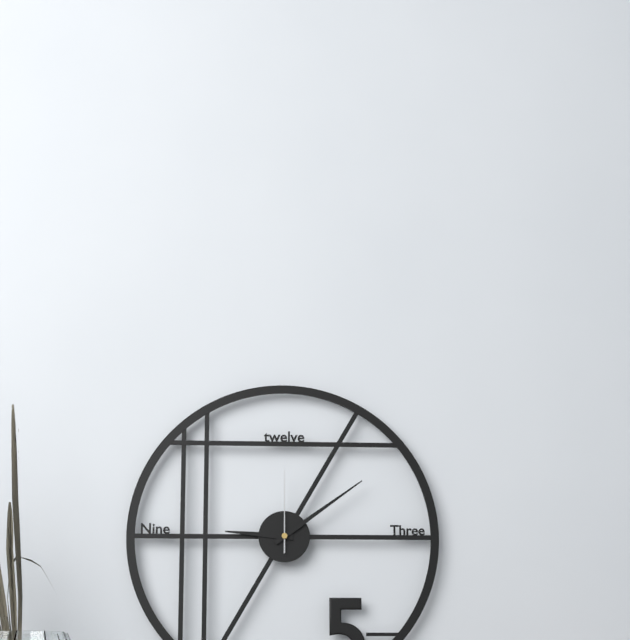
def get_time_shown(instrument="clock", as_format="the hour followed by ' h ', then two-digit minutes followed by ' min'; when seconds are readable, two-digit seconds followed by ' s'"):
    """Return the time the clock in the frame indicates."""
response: 9 h 09 min 00 s
